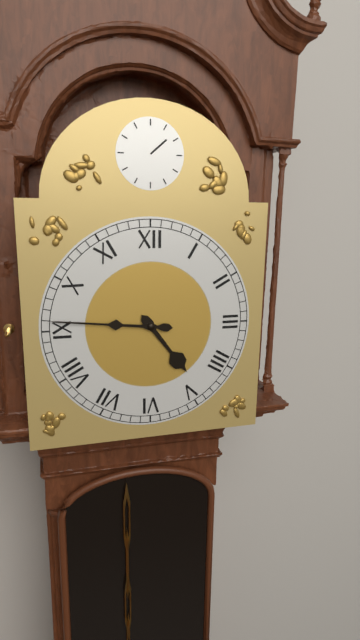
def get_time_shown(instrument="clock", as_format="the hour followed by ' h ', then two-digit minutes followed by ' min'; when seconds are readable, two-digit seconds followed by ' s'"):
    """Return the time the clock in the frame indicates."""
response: 4 h 46 min
